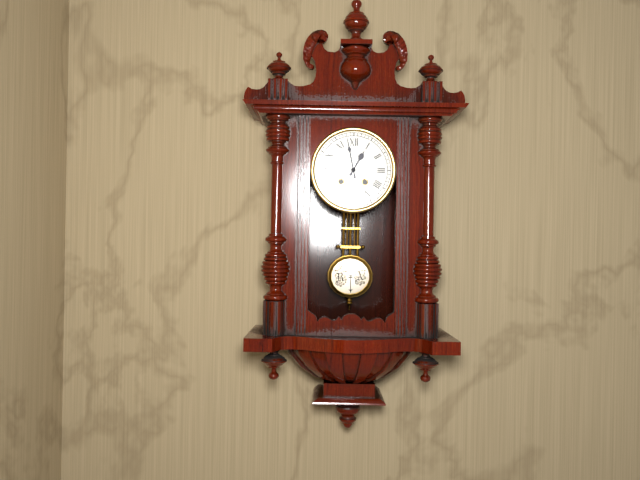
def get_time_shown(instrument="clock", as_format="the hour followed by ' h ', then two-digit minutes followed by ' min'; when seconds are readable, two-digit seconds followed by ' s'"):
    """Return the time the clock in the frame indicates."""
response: 12 h 58 min
